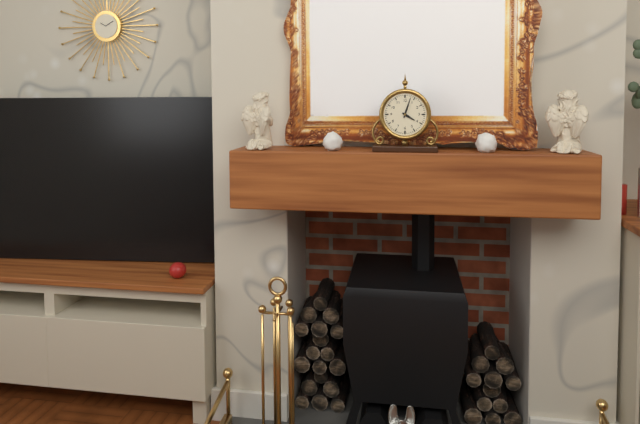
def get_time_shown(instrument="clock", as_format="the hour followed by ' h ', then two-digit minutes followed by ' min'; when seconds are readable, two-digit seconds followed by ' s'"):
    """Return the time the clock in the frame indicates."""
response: 4 h 03 min
